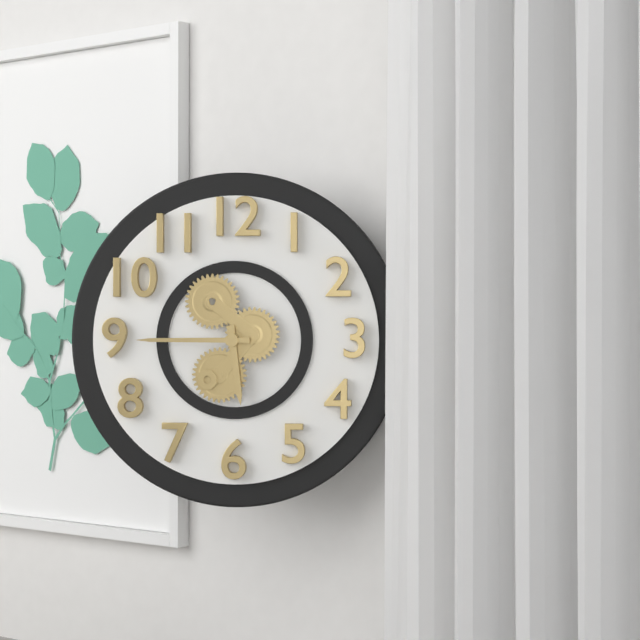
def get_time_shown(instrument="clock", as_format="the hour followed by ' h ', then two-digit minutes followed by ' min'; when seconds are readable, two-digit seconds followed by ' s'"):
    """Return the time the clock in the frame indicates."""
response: 5 h 45 min
